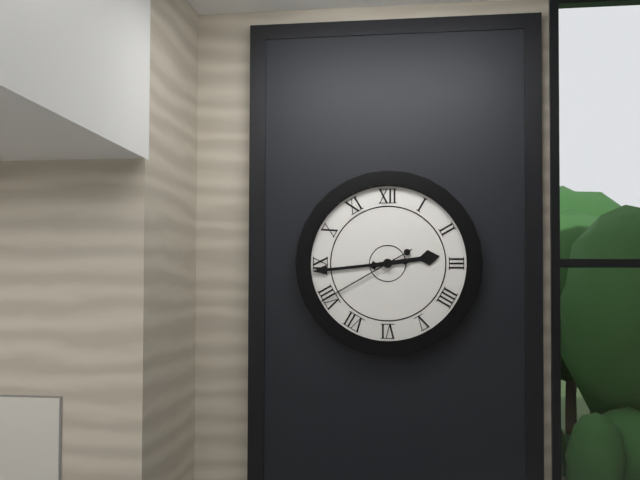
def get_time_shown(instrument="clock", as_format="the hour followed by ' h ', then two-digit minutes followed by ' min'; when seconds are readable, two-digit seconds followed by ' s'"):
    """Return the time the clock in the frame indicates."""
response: 2 h 44 min 40 s
